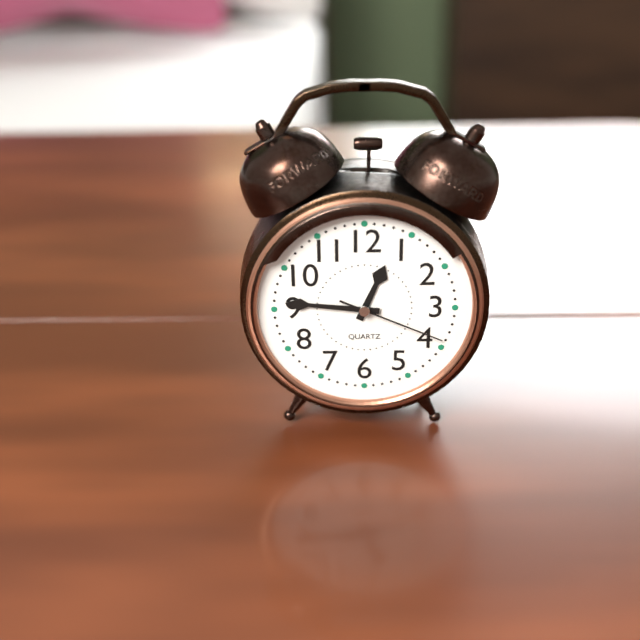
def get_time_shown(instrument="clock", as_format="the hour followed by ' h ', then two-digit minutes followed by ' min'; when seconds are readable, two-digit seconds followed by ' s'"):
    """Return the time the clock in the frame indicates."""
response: 12 h 46 min 19 s
